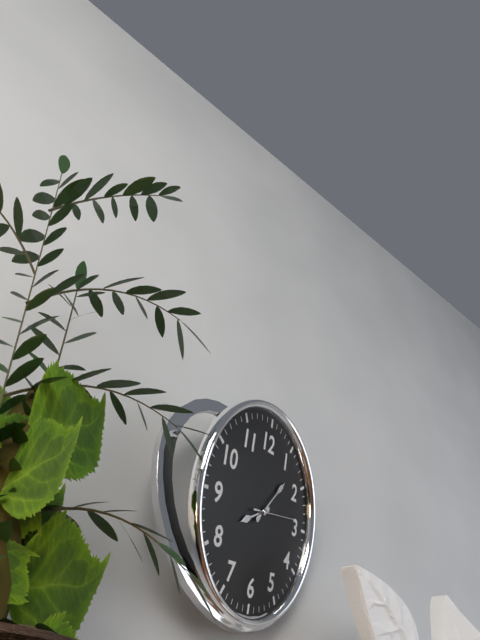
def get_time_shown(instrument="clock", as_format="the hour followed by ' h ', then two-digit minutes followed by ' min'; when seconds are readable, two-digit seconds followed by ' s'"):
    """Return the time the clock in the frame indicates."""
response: 8 h 07 min
